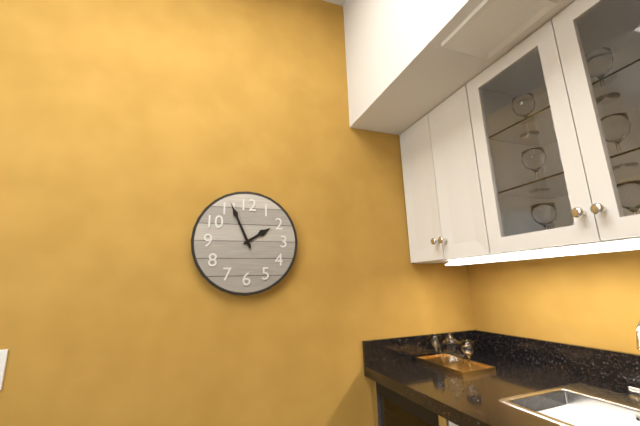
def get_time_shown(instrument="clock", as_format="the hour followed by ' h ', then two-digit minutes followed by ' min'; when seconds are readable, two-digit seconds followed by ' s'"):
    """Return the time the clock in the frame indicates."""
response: 1 h 56 min
